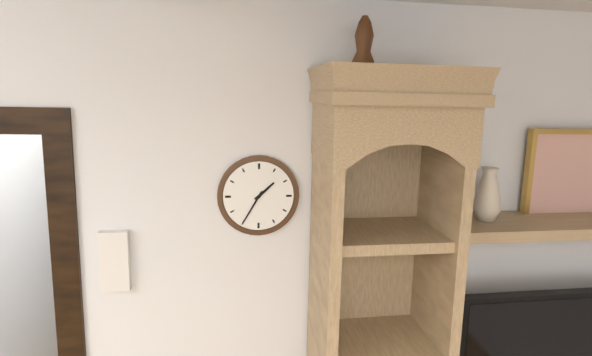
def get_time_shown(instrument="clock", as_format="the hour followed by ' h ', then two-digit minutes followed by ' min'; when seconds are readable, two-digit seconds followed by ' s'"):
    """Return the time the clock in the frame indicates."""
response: 1 h 35 min
